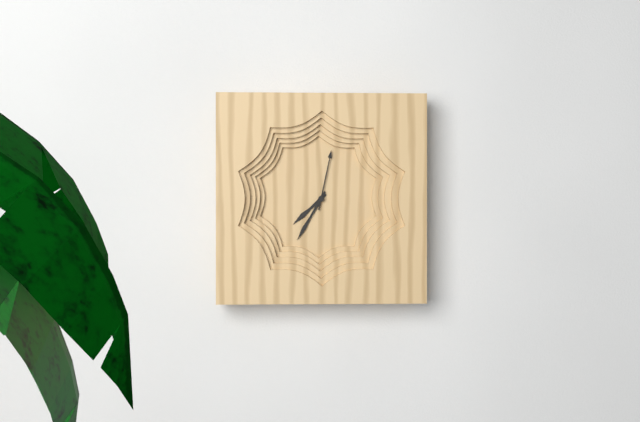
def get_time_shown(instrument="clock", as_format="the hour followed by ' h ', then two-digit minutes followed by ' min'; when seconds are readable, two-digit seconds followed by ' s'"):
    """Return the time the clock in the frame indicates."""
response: 7 h 35 min 02 s
